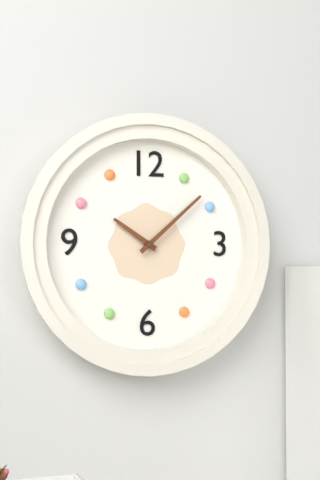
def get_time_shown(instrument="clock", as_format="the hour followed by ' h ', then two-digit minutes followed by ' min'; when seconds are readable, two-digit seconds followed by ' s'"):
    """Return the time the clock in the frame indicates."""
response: 10 h 08 min
